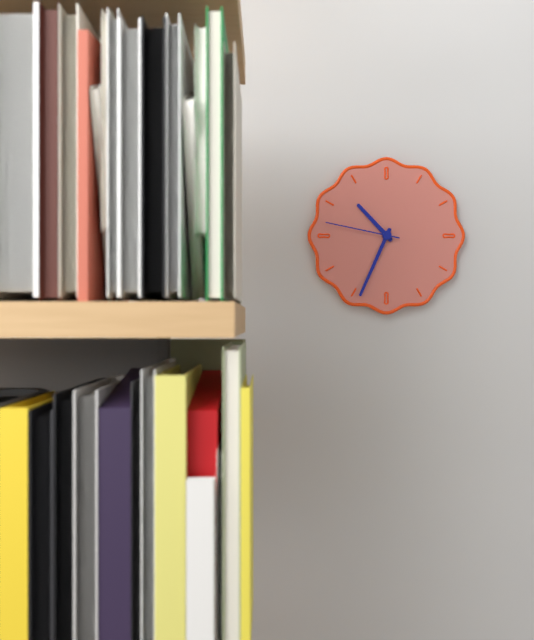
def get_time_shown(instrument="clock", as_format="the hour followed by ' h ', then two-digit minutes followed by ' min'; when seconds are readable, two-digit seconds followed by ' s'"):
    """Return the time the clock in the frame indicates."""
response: 10 h 34 min 47 s
